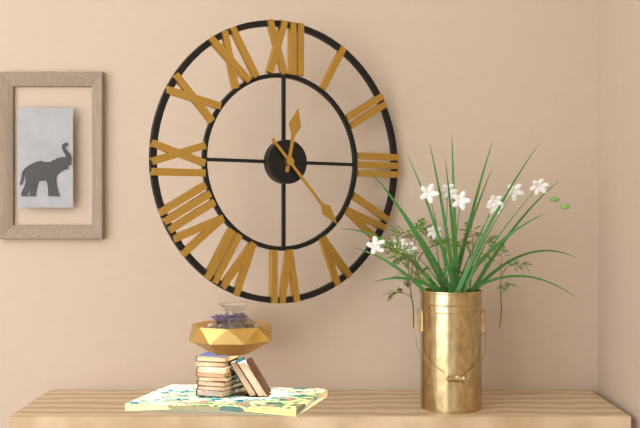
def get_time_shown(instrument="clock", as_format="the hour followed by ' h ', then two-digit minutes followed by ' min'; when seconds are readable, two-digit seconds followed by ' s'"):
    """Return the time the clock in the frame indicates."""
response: 12 h 23 min
